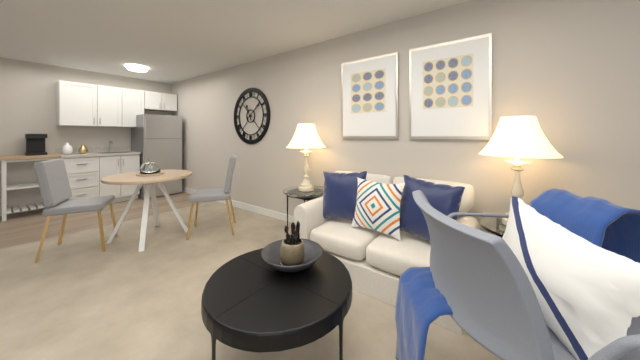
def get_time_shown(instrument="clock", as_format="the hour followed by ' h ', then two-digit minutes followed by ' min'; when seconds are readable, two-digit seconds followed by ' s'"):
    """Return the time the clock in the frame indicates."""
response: 11 h 09 min
